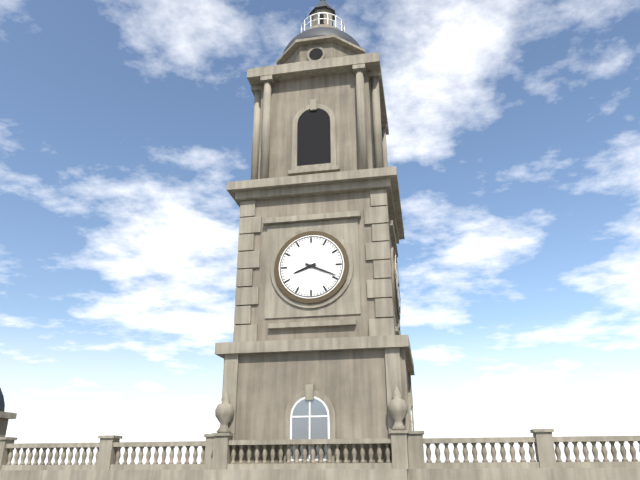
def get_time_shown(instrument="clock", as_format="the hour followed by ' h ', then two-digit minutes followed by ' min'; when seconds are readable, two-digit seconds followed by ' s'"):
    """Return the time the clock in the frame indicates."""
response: 8 h 19 min
